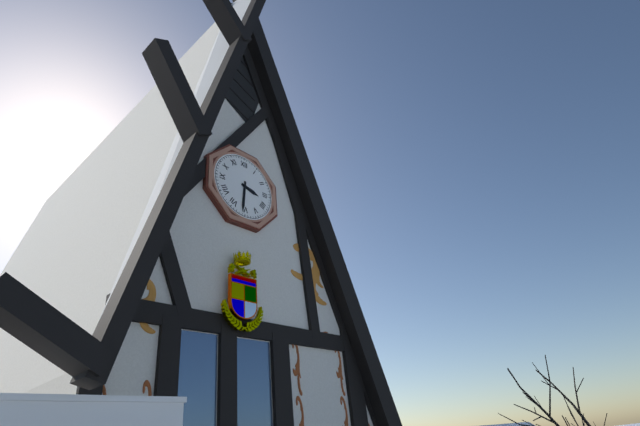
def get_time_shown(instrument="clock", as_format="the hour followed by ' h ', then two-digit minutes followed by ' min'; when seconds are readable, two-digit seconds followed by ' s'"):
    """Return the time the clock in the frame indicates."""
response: 3 h 31 min
